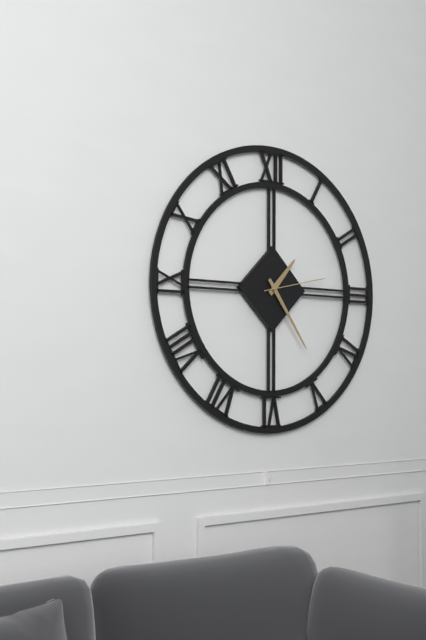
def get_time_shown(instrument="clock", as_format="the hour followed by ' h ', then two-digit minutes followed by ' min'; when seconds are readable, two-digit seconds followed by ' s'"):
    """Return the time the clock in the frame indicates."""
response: 1 h 24 min 13 s
